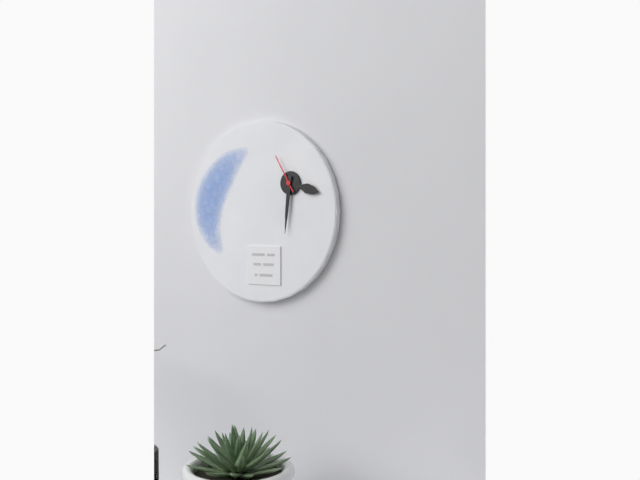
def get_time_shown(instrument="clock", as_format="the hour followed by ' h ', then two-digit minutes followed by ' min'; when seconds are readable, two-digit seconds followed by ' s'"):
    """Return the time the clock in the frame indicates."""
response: 3 h 31 min
